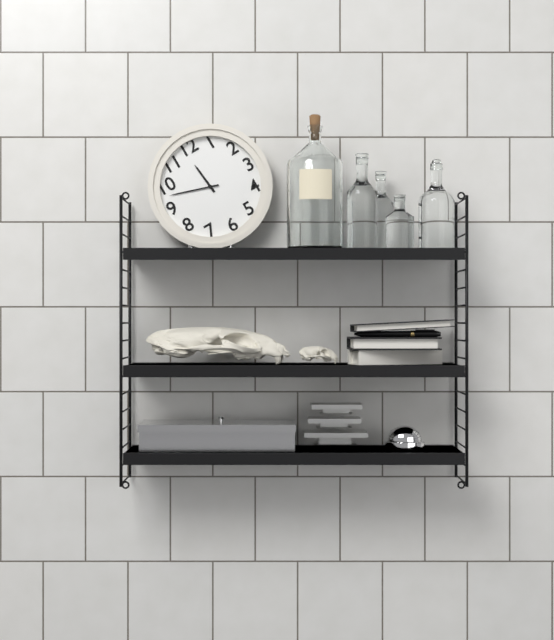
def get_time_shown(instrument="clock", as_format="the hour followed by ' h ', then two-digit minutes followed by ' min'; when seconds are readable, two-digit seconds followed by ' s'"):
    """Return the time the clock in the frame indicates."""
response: 11 h 48 min
